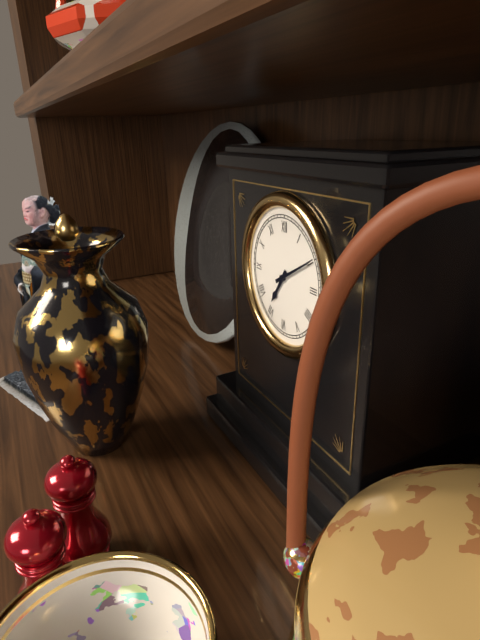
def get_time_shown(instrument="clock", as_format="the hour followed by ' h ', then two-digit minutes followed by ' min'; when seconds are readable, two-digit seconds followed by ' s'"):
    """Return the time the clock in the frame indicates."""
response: 7 h 10 min
